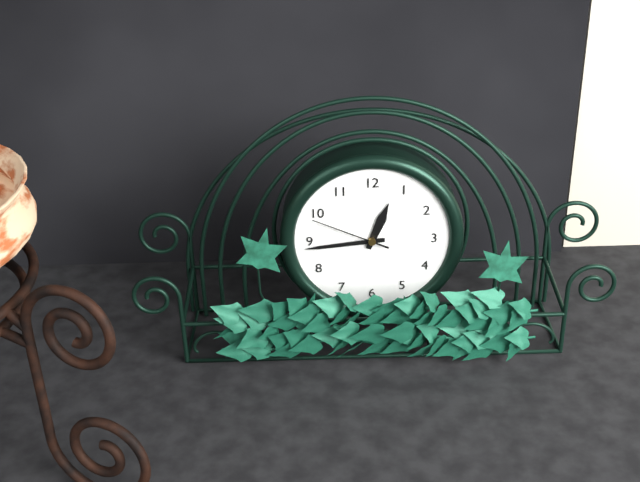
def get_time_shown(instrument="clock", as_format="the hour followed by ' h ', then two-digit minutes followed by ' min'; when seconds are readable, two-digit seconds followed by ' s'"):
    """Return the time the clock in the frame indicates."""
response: 12 h 44 min 49 s
